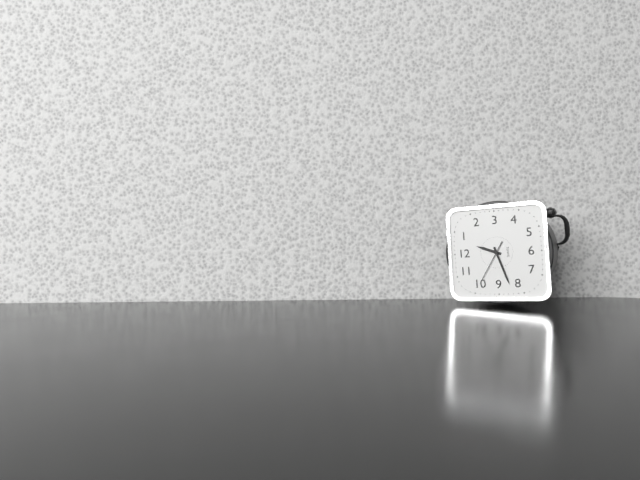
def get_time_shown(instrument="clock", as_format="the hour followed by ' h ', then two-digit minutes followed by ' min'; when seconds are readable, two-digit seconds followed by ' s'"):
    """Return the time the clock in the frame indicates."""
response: 12 h 42 min
